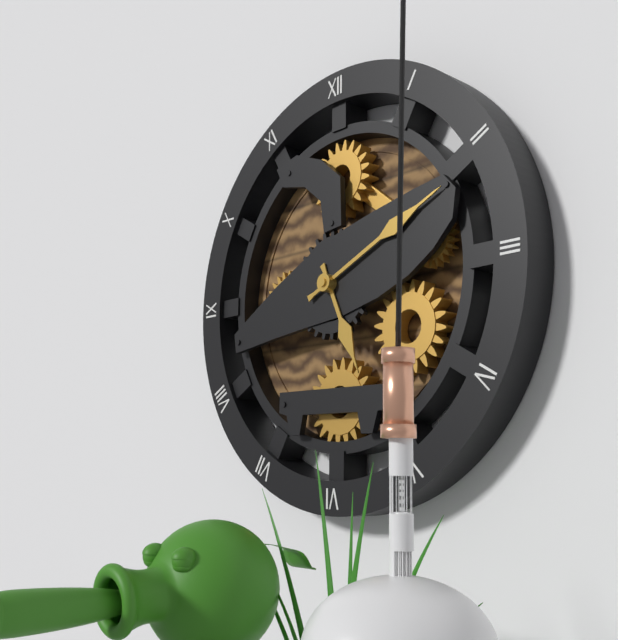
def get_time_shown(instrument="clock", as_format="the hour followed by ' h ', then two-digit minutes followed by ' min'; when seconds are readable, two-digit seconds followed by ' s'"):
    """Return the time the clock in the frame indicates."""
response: 5 h 11 min
